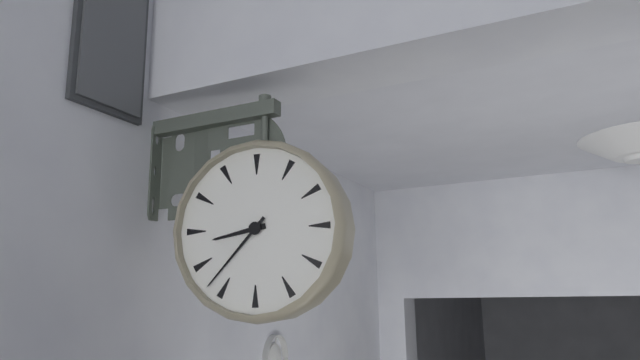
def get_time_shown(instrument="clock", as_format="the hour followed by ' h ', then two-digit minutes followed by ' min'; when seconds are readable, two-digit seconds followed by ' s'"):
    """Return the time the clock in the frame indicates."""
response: 8 h 37 min
